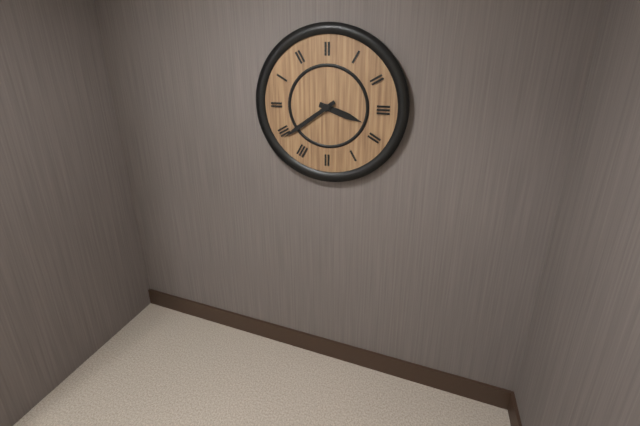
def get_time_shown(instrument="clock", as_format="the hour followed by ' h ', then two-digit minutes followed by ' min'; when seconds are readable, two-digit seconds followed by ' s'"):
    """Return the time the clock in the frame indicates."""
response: 3 h 39 min
